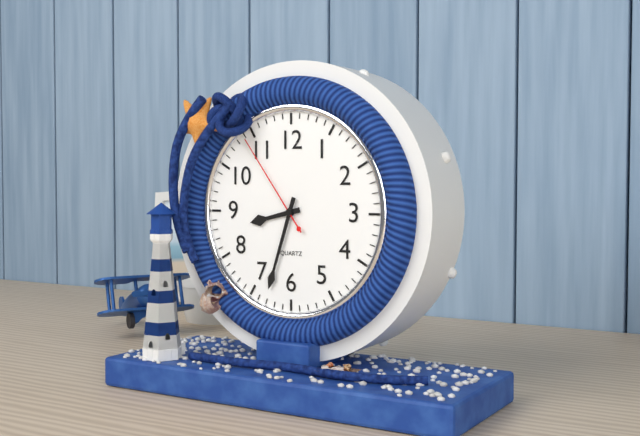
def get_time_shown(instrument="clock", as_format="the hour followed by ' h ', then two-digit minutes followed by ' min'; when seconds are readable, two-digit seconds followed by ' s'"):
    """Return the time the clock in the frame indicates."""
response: 8 h 33 min 54 s
